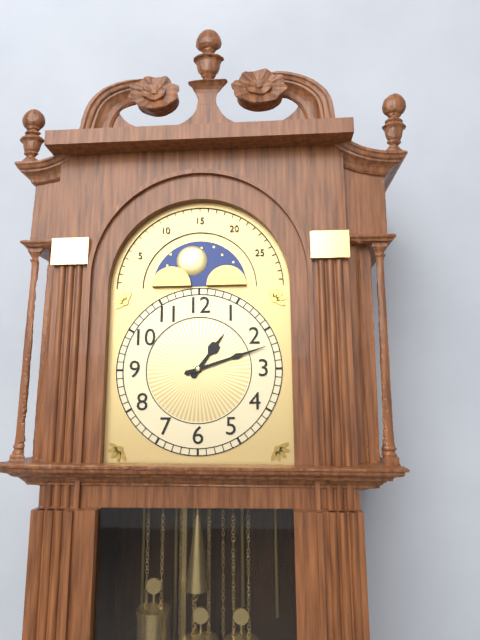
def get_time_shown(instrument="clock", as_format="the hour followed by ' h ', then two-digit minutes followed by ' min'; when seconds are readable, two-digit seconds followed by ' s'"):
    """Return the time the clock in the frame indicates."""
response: 1 h 12 min
